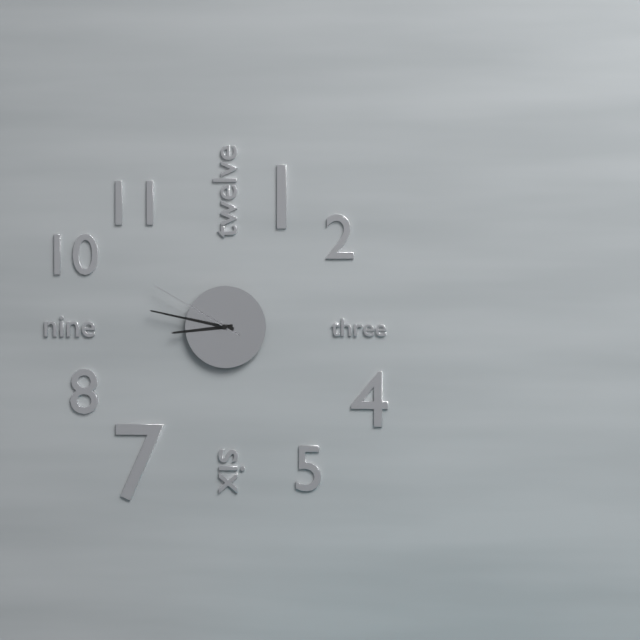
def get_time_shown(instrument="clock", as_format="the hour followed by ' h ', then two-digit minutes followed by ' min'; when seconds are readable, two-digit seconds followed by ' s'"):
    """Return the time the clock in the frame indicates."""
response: 8 h 47 min 50 s
